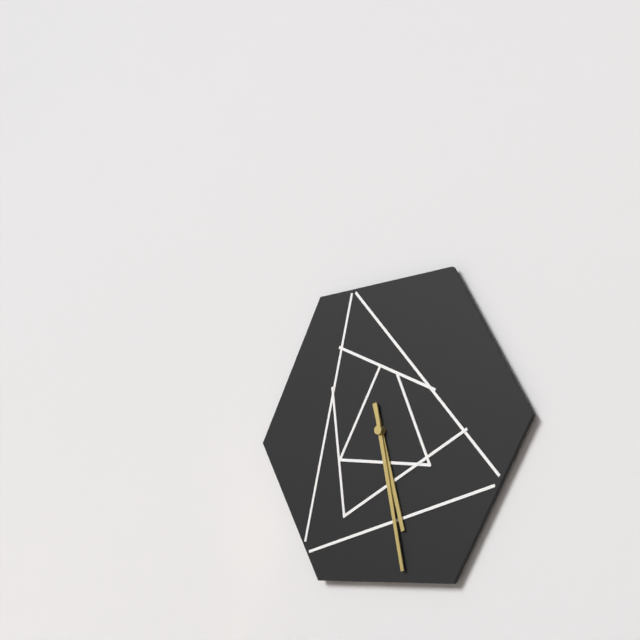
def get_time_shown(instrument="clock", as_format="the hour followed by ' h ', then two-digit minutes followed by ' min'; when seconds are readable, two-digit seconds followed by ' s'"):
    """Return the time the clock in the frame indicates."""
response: 5 h 28 min
